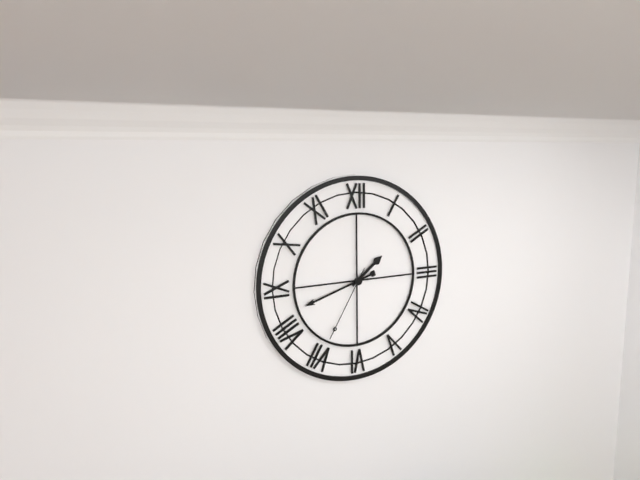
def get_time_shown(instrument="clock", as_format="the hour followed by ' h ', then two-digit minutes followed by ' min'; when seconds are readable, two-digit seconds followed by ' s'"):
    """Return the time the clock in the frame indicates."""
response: 1 h 42 min 35 s
